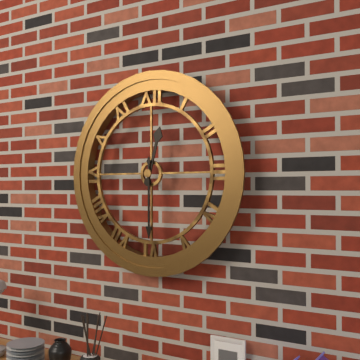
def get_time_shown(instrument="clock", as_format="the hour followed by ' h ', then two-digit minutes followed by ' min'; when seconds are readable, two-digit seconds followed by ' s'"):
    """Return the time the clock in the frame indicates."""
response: 12 h 30 min
